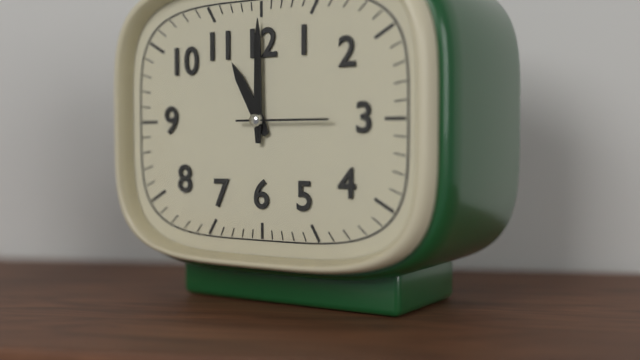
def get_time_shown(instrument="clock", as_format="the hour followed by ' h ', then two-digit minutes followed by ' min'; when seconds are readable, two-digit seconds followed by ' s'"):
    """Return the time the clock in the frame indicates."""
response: 11 h 00 min 15 s
